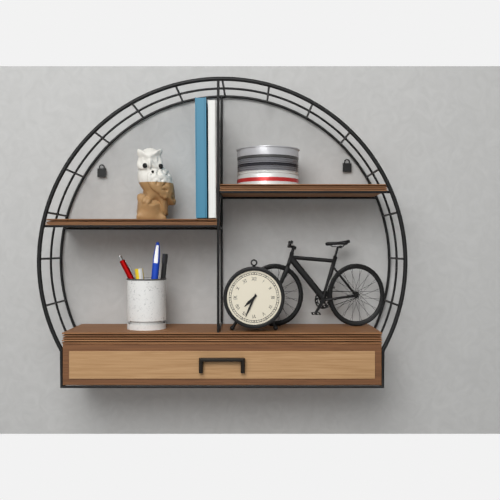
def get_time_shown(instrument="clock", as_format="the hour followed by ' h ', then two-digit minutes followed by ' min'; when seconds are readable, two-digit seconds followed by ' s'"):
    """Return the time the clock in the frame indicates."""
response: 7 h 34 min
